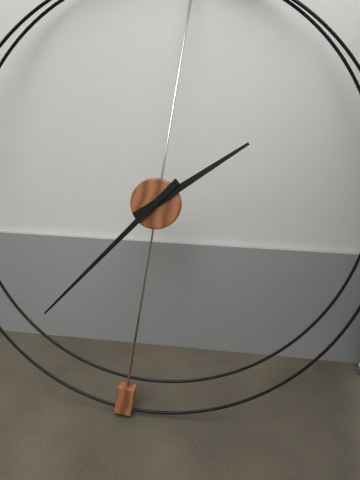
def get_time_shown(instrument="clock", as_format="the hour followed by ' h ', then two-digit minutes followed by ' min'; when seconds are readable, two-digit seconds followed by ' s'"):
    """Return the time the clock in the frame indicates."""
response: 1 h 36 min
